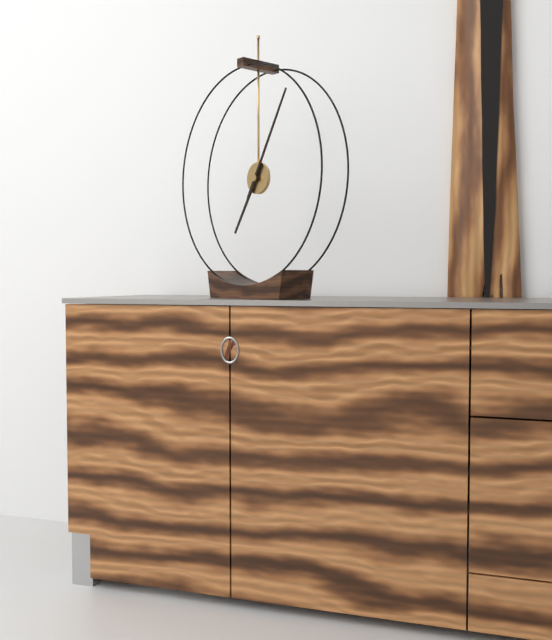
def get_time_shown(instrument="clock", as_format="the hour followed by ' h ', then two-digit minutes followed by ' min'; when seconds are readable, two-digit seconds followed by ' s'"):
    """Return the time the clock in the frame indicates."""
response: 7 h 05 min
